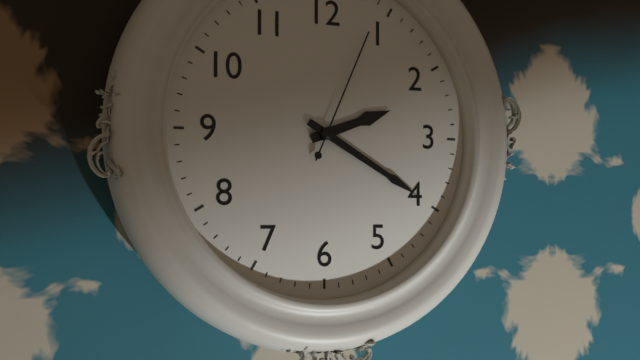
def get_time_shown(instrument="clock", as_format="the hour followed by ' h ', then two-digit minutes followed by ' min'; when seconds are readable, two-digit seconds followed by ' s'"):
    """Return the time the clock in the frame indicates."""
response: 2 h 20 min 04 s
